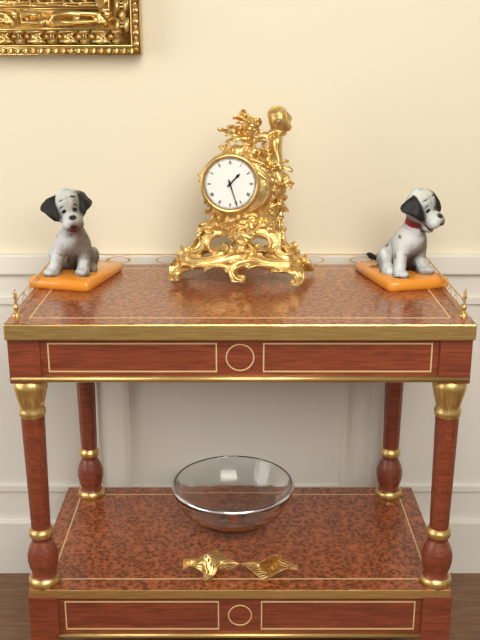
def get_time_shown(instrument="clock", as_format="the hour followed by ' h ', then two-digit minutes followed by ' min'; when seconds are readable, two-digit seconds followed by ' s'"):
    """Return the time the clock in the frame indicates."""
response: 1 h 27 min
